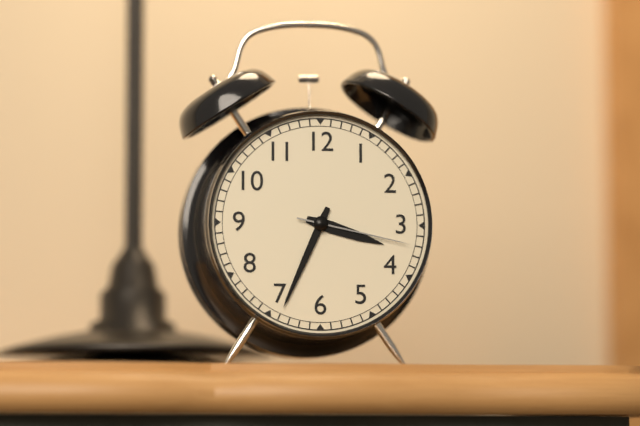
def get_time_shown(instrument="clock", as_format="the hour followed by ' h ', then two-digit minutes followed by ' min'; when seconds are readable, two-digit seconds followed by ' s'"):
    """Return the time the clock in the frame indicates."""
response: 3 h 34 min 17 s
